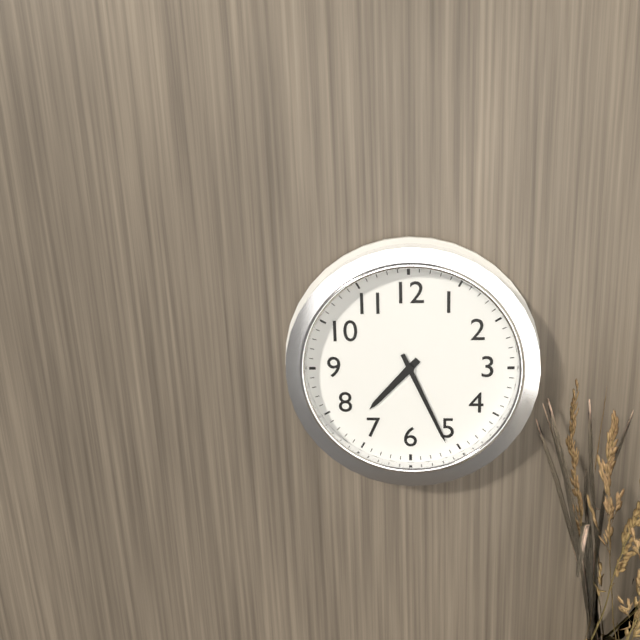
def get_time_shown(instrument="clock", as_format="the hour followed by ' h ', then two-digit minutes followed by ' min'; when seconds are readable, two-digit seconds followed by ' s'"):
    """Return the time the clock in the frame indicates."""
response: 7 h 26 min
